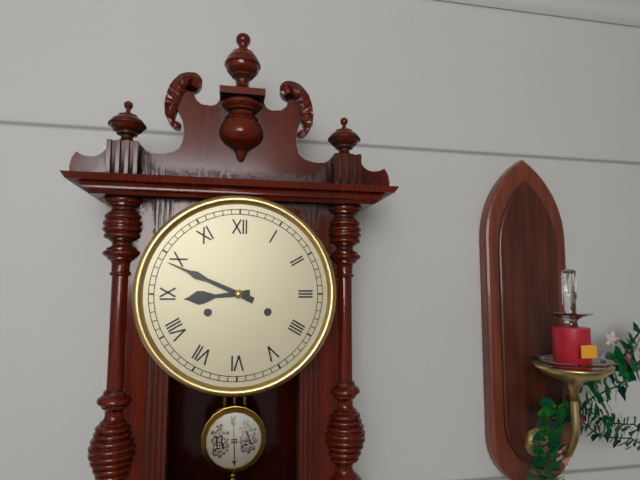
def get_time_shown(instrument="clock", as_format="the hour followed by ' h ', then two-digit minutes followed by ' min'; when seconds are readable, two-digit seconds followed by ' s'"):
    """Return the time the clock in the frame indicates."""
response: 8 h 49 min
